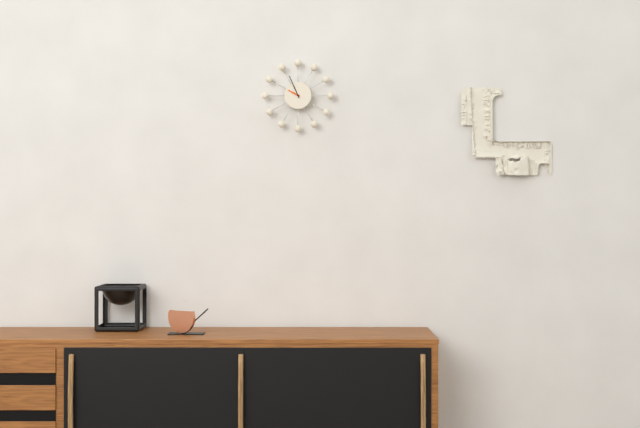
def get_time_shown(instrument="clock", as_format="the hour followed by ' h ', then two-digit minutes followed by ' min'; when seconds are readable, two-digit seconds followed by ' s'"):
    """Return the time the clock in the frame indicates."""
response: 9 h 56 min
